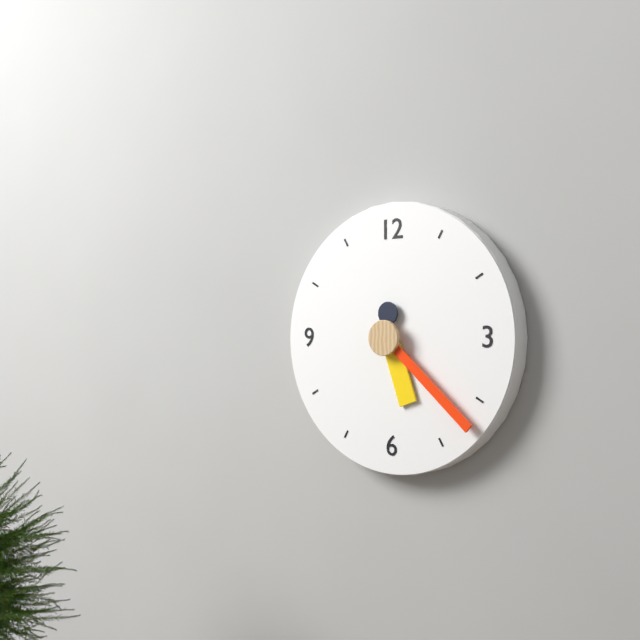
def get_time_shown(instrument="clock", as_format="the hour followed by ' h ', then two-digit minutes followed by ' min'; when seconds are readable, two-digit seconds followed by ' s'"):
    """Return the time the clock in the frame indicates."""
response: 5 h 22 min
